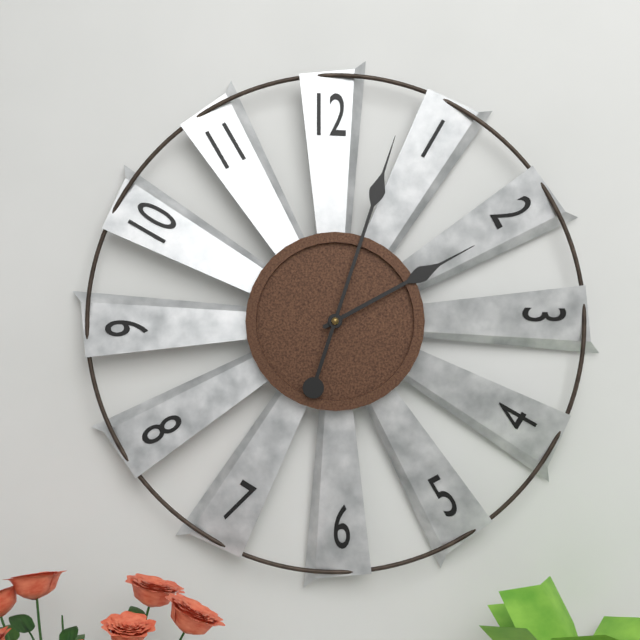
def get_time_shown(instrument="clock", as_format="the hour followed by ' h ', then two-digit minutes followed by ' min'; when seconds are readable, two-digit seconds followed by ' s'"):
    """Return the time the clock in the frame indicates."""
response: 2 h 03 min
